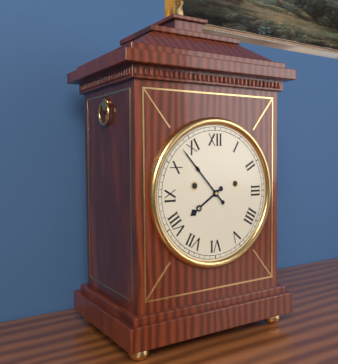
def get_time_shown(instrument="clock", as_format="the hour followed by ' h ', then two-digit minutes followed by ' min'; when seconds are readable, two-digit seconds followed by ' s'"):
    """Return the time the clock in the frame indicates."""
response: 7 h 53 min
